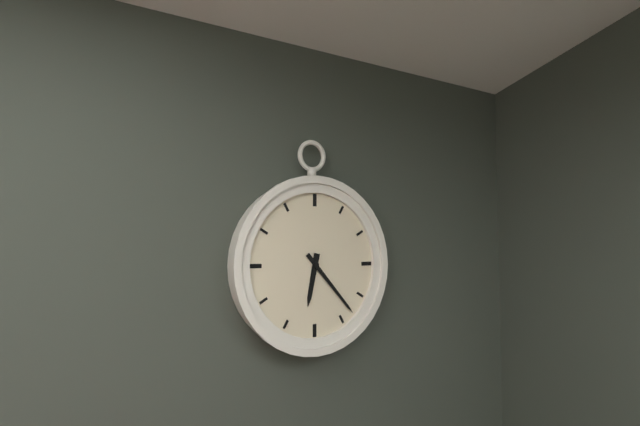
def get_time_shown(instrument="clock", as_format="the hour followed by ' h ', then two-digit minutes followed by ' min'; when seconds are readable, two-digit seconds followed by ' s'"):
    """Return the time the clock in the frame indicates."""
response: 6 h 23 min
